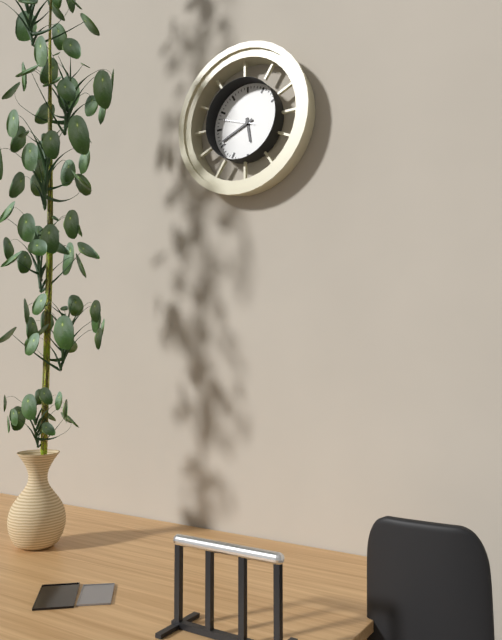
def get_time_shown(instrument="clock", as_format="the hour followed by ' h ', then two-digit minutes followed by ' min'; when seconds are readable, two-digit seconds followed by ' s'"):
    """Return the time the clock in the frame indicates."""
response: 5 h 41 min
